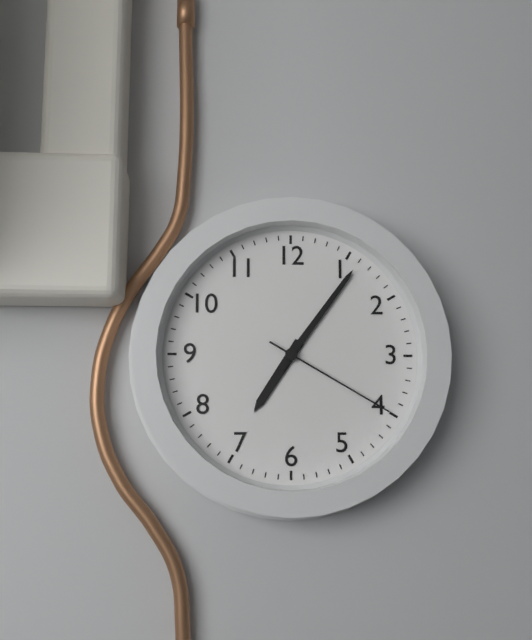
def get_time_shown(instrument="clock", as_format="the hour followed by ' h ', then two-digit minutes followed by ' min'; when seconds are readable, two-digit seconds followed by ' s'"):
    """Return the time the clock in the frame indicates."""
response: 7 h 06 min 20 s
